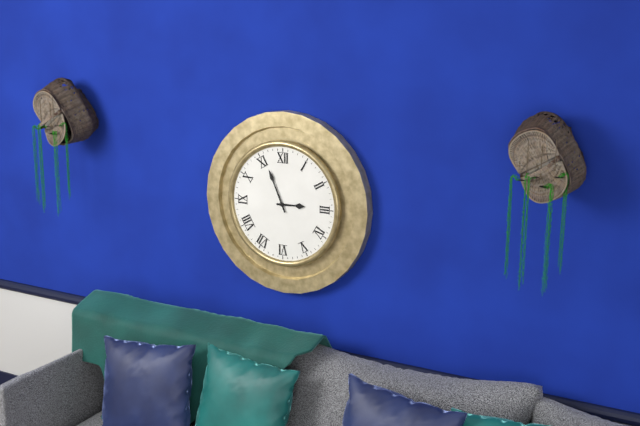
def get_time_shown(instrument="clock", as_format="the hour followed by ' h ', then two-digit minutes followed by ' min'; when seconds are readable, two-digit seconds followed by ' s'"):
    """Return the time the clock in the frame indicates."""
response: 2 h 56 min
